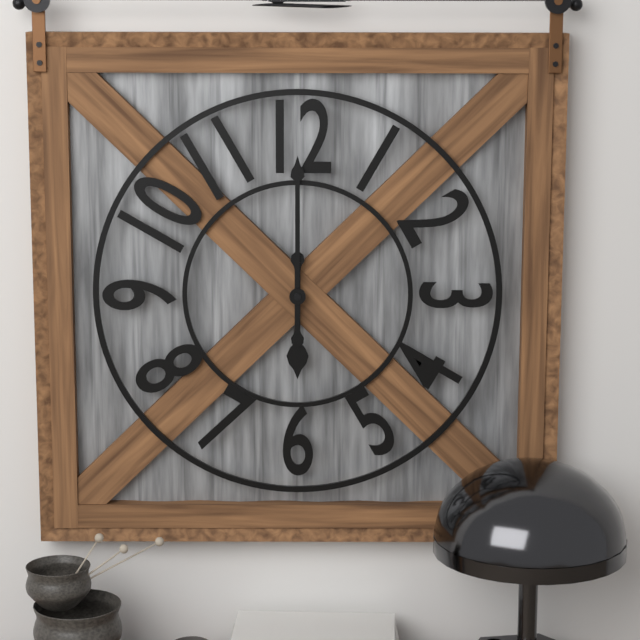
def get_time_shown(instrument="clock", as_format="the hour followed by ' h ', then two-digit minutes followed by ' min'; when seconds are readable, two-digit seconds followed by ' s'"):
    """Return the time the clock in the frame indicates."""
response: 6 h 00 min
